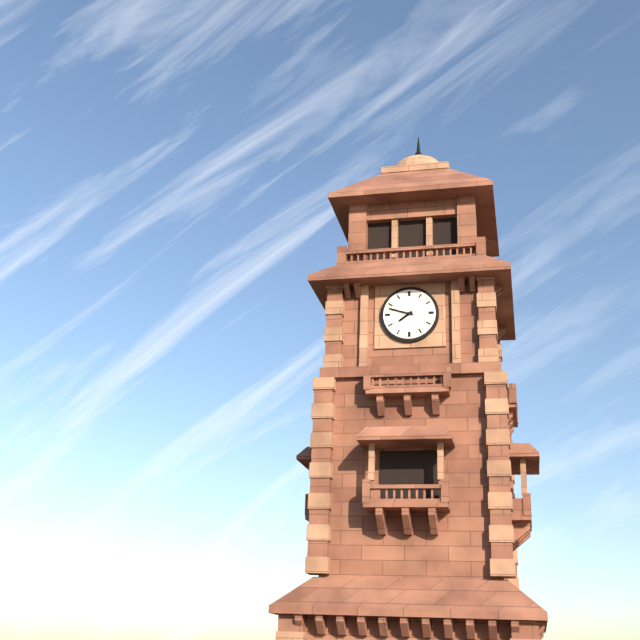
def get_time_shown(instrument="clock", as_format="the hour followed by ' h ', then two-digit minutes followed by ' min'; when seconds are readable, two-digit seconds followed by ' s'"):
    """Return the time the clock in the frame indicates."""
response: 7 h 48 min
